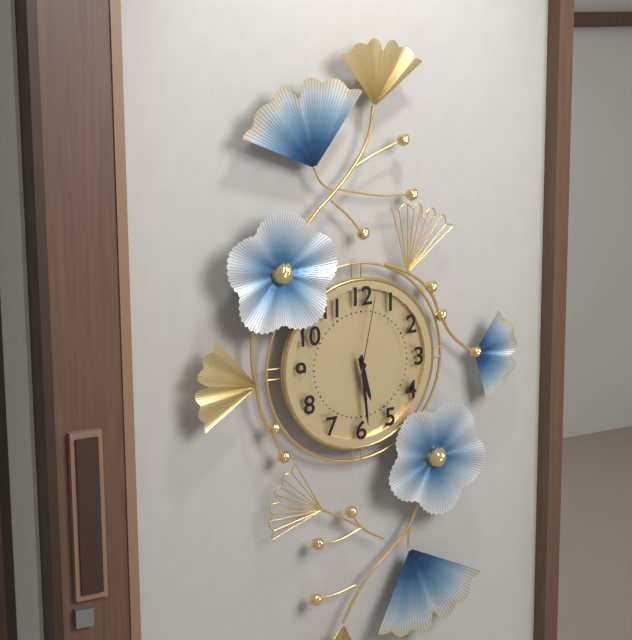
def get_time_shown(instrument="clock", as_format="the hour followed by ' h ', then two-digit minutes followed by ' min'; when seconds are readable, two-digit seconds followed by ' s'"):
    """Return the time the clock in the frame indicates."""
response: 5 h 29 min 02 s
